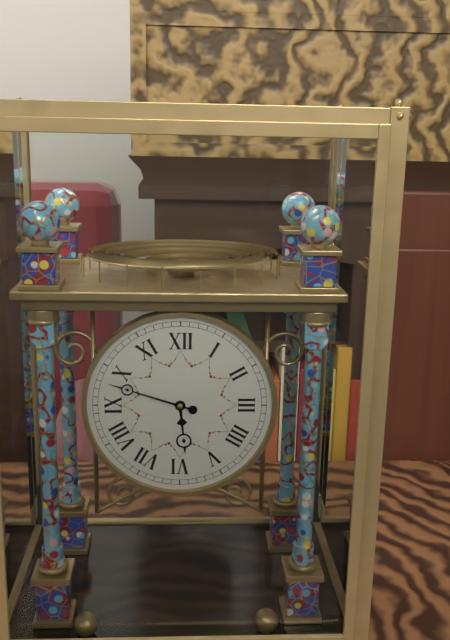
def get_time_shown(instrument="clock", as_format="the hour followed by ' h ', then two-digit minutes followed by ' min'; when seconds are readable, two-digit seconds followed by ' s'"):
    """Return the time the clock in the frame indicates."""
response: 5 h 48 min
